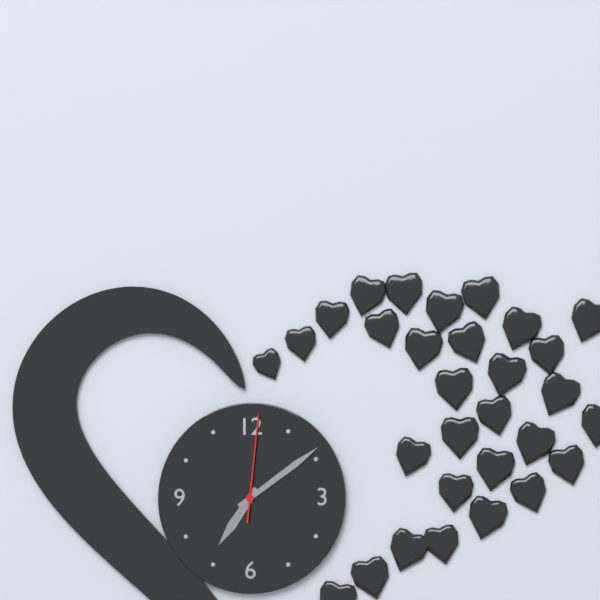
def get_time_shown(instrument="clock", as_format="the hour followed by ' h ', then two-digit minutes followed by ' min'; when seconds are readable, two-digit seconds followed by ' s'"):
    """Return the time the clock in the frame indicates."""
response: 7 h 09 min 01 s
